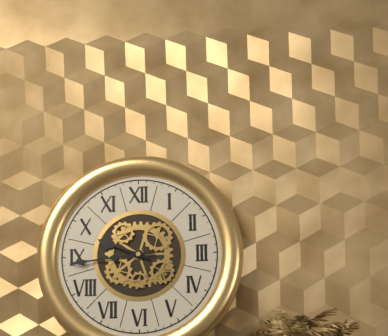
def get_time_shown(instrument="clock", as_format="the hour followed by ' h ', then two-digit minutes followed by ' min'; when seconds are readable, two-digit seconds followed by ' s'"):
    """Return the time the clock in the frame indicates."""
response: 9 h 44 min
